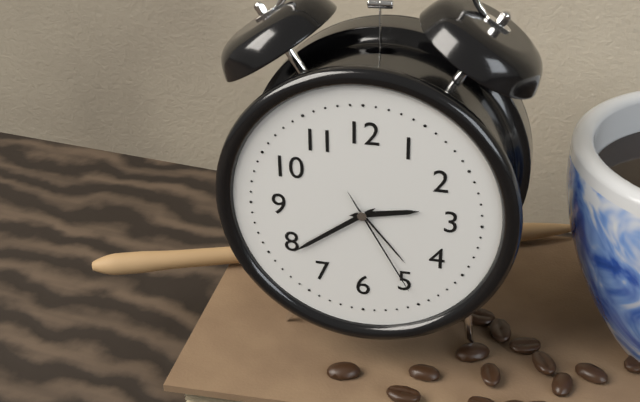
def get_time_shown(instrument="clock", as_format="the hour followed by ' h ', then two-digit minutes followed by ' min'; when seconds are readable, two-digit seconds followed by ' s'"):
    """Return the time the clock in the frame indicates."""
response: 2 h 39 min 25 s
